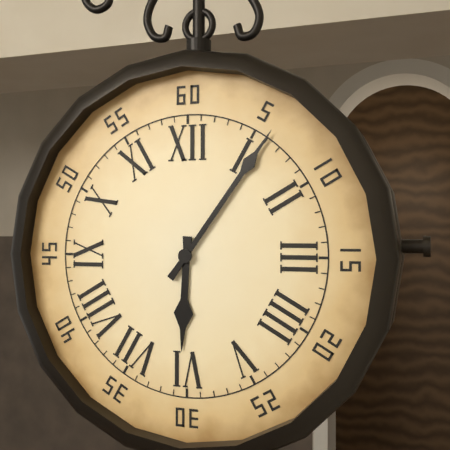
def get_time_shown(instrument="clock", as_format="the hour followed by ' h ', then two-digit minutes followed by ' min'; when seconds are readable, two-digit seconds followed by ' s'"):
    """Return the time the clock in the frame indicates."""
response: 6 h 06 min
